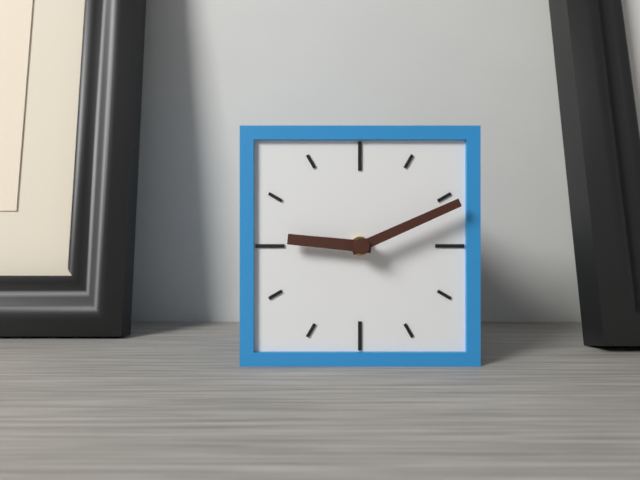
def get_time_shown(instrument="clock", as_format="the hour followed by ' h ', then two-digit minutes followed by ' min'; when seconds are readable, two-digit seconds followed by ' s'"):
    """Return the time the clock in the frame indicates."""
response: 9 h 11 min
